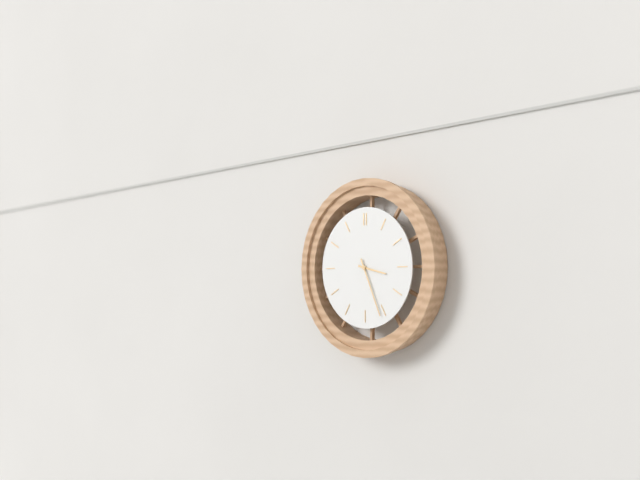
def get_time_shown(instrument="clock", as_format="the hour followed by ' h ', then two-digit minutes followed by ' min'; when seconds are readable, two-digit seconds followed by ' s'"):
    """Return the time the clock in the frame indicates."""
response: 3 h 26 min
